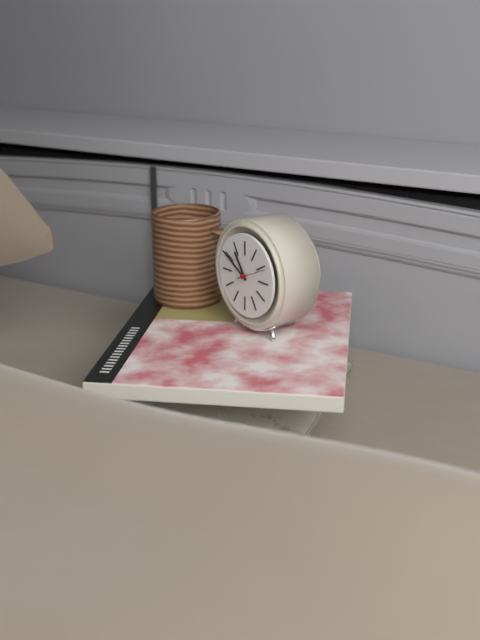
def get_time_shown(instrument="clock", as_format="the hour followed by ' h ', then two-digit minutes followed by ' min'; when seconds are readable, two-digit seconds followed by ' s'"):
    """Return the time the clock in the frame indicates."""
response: 10 h 50 min
